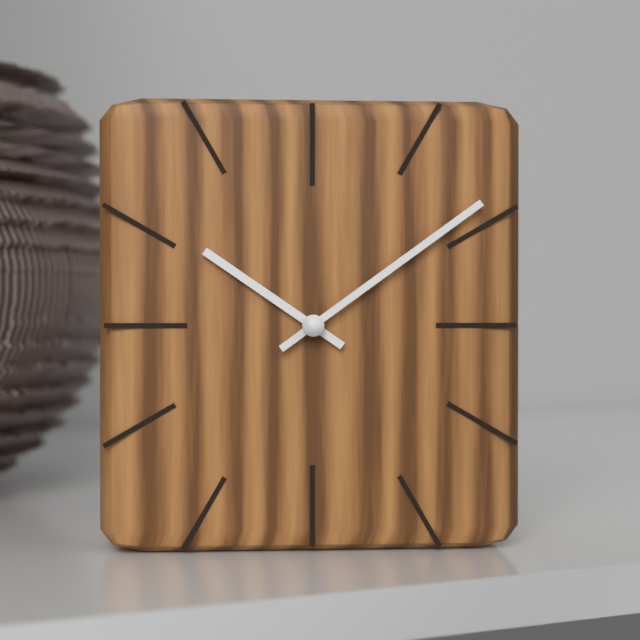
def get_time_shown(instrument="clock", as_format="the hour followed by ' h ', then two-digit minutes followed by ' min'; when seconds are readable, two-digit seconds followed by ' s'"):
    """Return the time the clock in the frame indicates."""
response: 10 h 09 min
